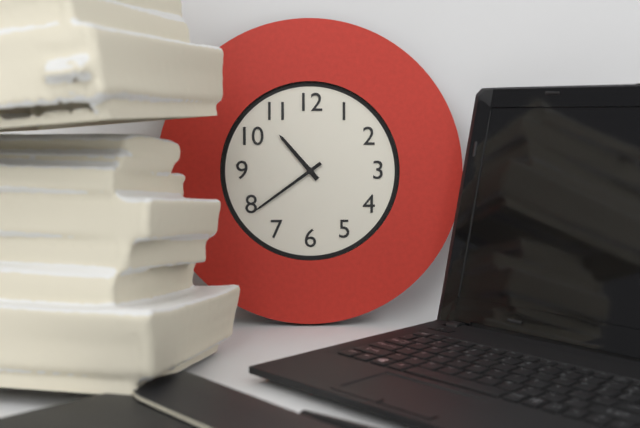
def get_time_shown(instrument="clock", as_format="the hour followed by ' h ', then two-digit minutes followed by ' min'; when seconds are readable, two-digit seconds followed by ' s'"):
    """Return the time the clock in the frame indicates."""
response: 10 h 39 min
